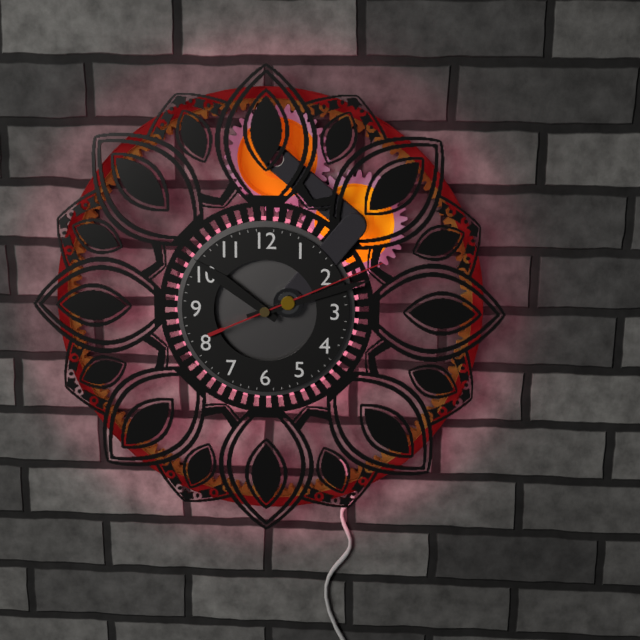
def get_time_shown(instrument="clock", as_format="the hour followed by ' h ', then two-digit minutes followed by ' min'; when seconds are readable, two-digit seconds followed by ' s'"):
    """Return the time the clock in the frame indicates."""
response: 10 h 12 min 11 s
